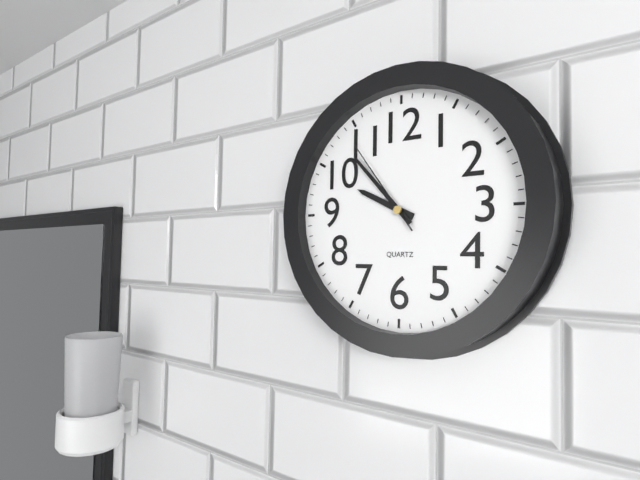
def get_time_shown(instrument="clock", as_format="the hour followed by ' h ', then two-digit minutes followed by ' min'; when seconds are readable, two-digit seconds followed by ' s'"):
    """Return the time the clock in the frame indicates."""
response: 9 h 53 min 54 s
